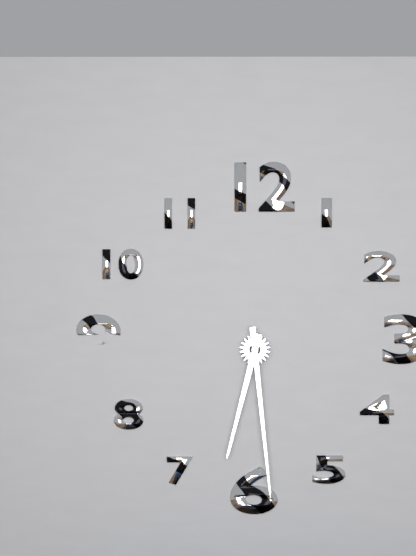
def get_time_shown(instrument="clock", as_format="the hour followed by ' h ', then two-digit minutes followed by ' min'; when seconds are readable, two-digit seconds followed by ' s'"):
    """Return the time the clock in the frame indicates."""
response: 6 h 29 min
